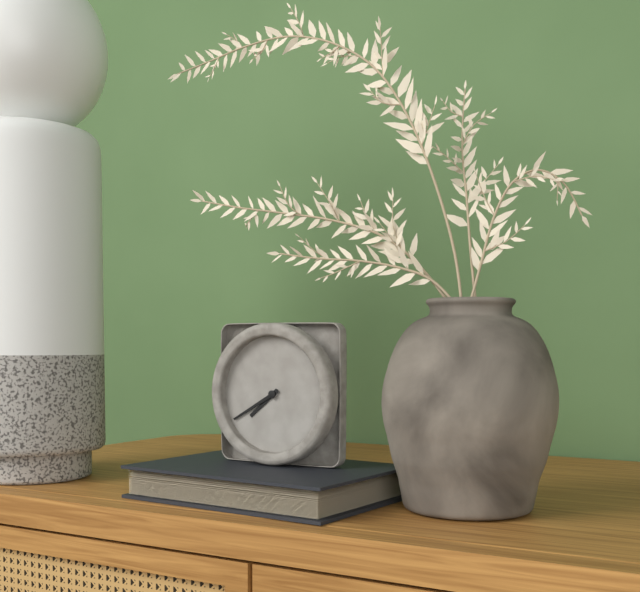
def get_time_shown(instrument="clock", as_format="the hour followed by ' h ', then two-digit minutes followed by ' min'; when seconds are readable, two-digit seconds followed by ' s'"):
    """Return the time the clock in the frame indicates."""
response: 7 h 40 min
